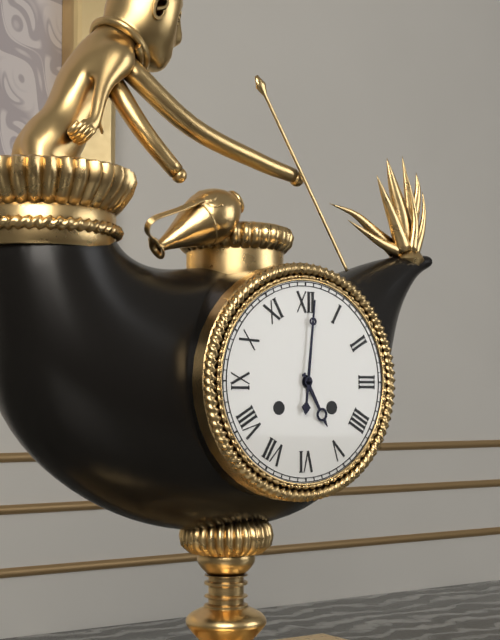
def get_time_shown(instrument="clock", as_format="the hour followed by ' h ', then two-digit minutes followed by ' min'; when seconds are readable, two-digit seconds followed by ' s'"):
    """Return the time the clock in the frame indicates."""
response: 5 h 01 min
